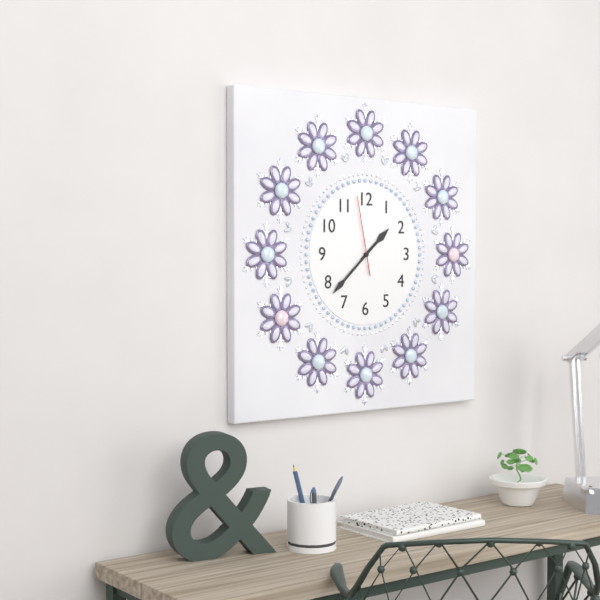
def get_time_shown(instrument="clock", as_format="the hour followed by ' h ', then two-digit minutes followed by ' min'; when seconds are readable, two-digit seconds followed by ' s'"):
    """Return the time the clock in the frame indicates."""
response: 1 h 38 min 58 s
